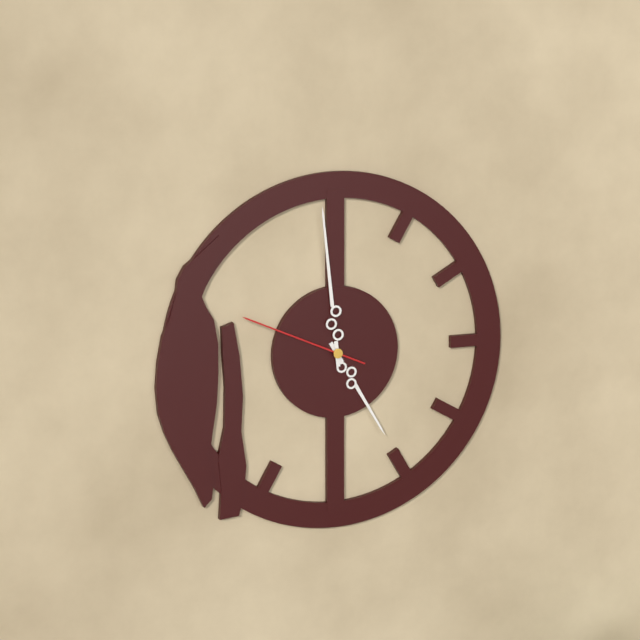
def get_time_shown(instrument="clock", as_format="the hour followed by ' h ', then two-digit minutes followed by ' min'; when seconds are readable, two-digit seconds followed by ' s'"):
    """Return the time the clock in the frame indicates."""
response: 4 h 59 min 49 s
